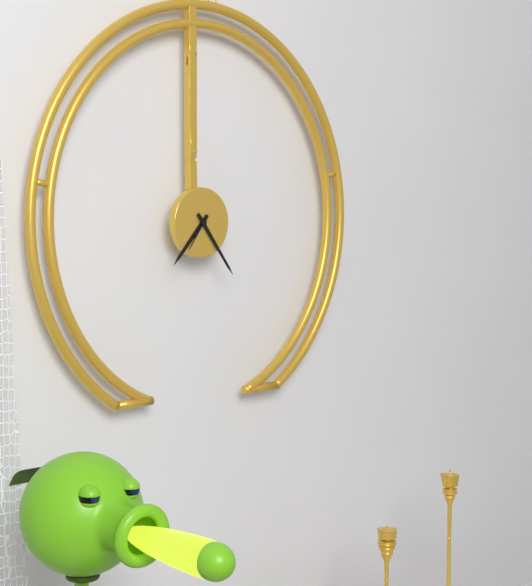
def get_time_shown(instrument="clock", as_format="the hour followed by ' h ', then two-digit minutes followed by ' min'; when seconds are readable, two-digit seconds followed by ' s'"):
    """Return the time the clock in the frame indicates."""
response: 7 h 24 min
